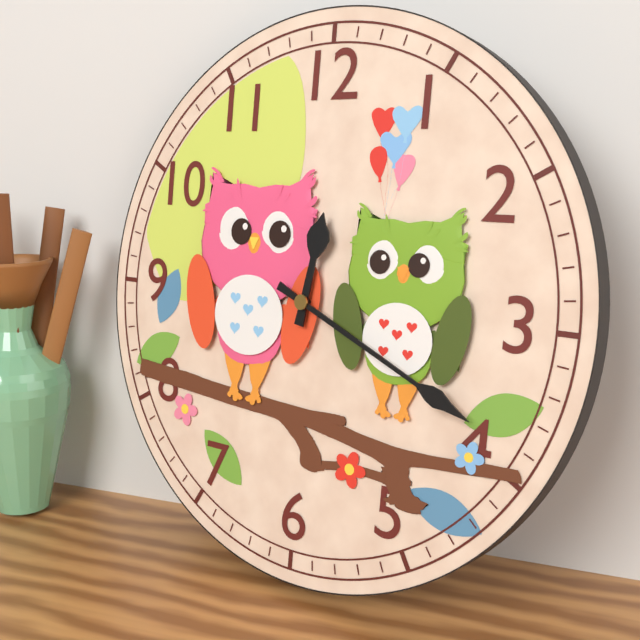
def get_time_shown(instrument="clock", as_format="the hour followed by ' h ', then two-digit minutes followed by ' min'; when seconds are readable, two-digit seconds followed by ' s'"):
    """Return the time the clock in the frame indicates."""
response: 12 h 19 min
